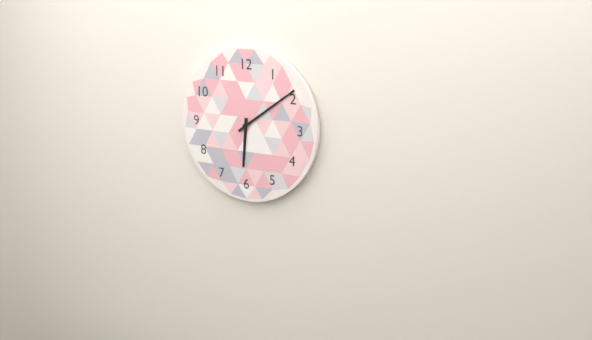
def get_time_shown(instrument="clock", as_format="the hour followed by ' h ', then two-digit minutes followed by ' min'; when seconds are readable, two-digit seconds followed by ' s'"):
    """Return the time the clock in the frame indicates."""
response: 6 h 09 min
